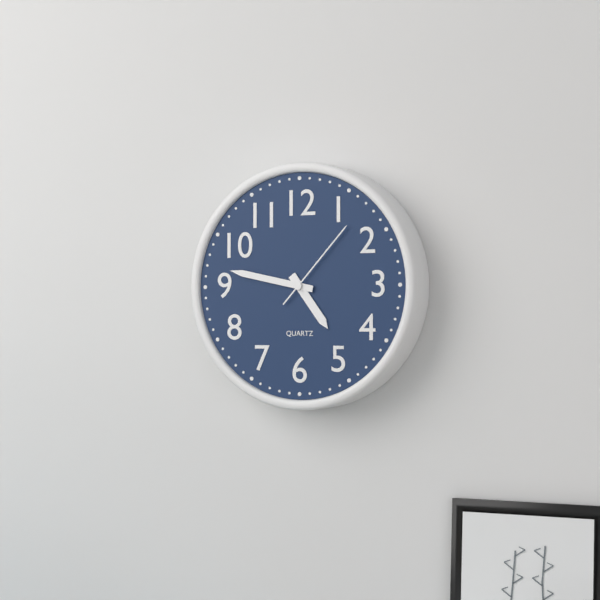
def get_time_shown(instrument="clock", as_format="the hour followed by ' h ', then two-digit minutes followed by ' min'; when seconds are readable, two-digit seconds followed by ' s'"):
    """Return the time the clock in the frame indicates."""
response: 4 h 47 min 07 s
